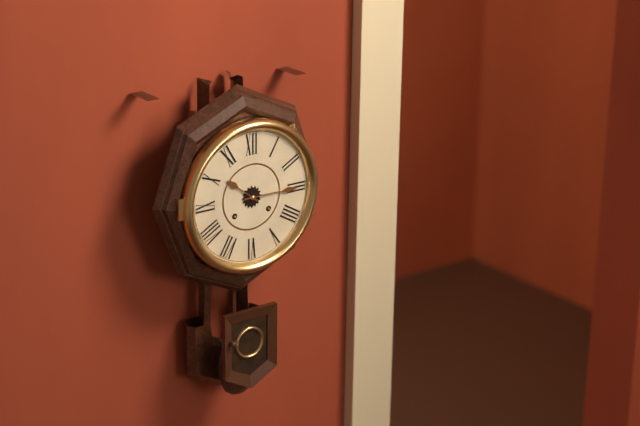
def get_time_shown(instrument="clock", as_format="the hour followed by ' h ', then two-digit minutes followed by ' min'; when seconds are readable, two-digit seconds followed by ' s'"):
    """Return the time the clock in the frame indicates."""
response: 10 h 15 min
